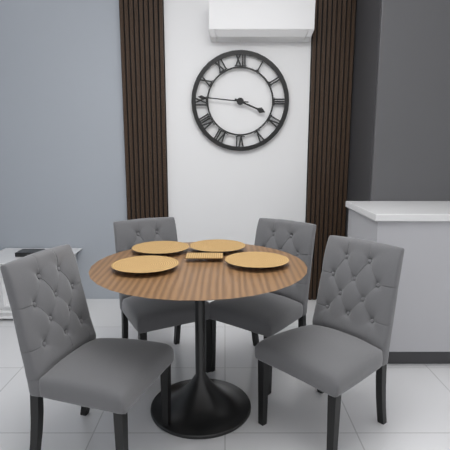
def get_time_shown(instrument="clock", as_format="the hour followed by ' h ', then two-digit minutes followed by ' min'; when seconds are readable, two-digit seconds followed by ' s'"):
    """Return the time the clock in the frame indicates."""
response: 3 h 46 min
